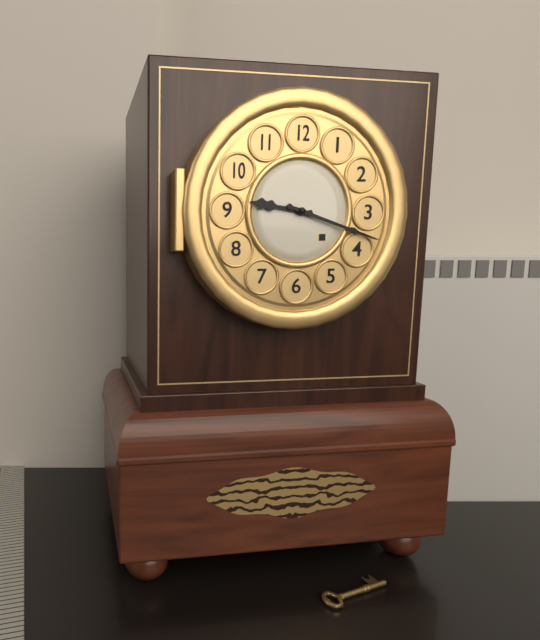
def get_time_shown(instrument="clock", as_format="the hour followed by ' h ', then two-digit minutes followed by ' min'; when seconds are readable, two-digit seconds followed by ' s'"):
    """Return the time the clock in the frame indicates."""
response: 9 h 18 min
